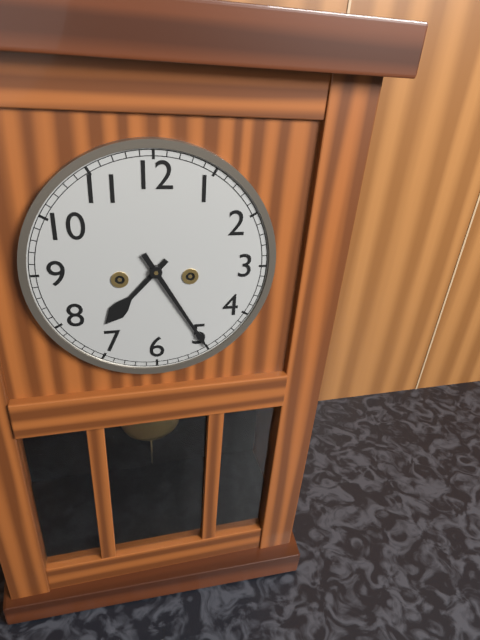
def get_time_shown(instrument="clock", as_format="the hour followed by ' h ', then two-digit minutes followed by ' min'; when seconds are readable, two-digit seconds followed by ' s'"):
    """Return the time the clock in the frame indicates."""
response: 7 h 25 min
